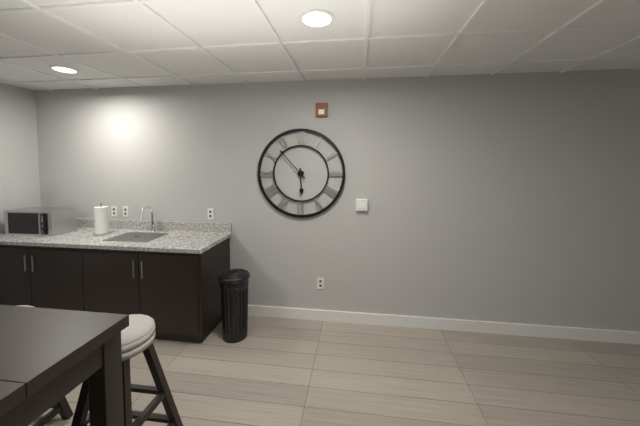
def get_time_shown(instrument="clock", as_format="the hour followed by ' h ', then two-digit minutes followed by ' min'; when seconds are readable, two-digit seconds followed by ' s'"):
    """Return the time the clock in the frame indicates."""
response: 5 h 53 min
